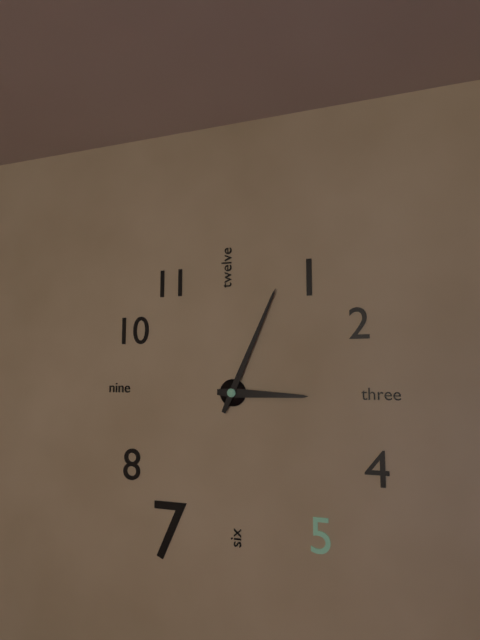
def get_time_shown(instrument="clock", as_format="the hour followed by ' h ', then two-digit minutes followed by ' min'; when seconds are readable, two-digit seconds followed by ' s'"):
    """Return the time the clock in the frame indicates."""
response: 3 h 04 min
